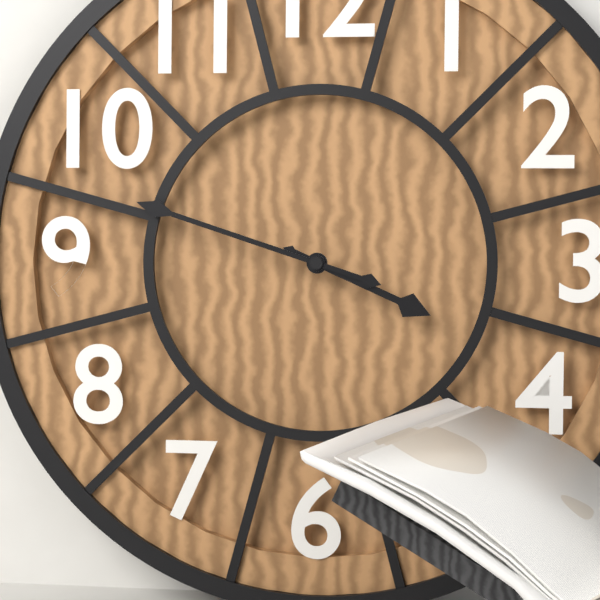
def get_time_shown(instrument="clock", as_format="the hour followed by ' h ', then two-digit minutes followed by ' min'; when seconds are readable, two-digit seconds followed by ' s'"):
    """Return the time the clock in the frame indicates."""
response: 3 h 48 min
